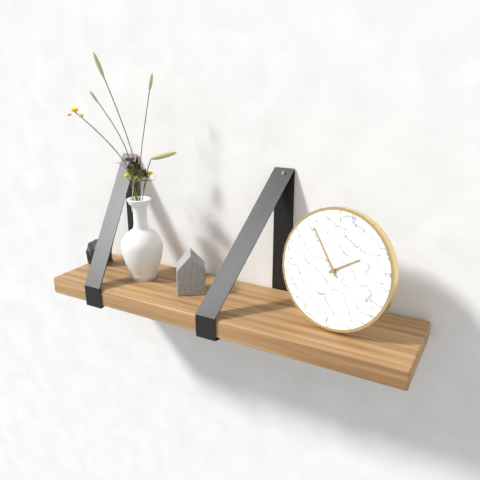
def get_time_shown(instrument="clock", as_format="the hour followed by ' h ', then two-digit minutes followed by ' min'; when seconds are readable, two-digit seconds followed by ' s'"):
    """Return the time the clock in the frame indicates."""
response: 1 h 54 min
